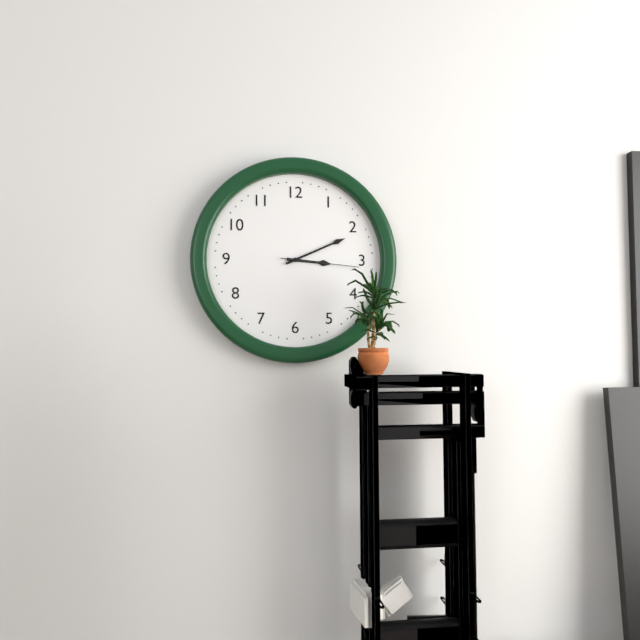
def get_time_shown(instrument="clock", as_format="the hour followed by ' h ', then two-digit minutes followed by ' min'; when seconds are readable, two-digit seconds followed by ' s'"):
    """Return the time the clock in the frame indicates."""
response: 3 h 11 min 16 s
